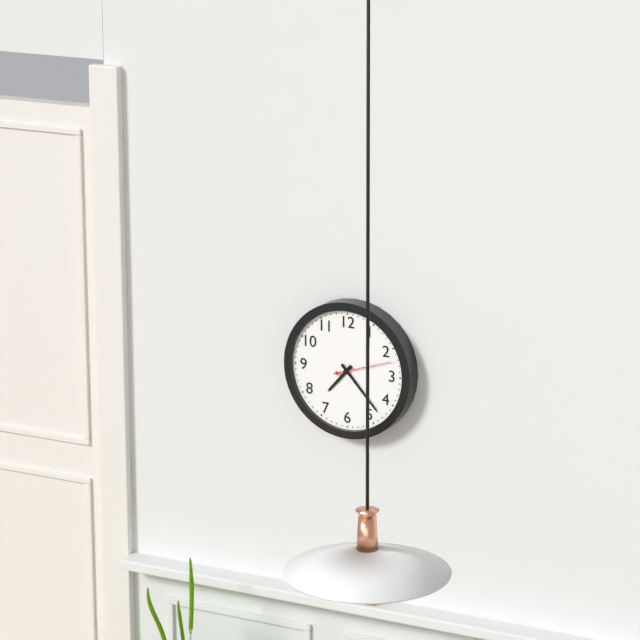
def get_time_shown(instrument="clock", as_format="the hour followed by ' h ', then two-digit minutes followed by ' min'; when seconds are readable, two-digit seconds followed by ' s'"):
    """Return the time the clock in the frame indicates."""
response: 7 h 23 min 12 s
